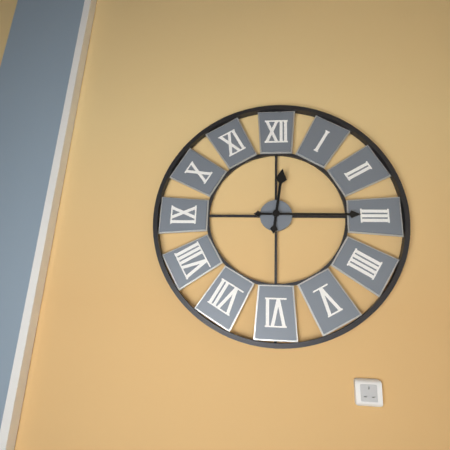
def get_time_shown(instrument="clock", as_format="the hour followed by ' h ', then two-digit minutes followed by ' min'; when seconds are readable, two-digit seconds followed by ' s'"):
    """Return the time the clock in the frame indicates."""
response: 12 h 15 min
